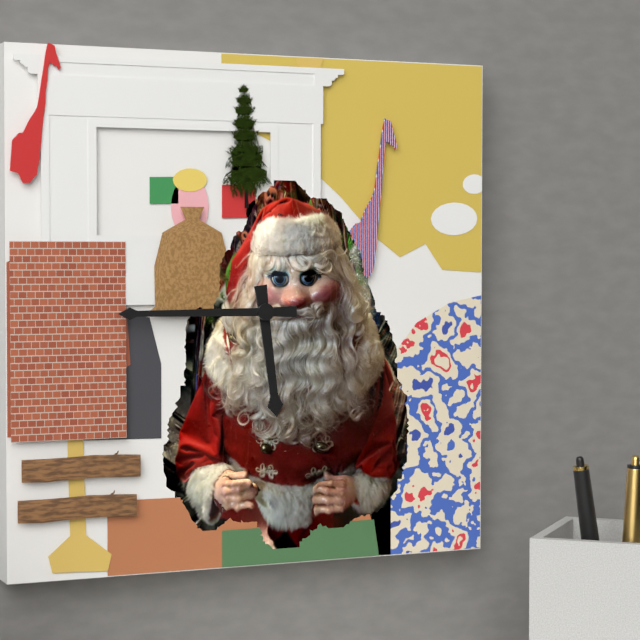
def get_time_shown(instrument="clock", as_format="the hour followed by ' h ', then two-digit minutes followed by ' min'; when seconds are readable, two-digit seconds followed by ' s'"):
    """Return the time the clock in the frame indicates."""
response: 5 h 45 min
